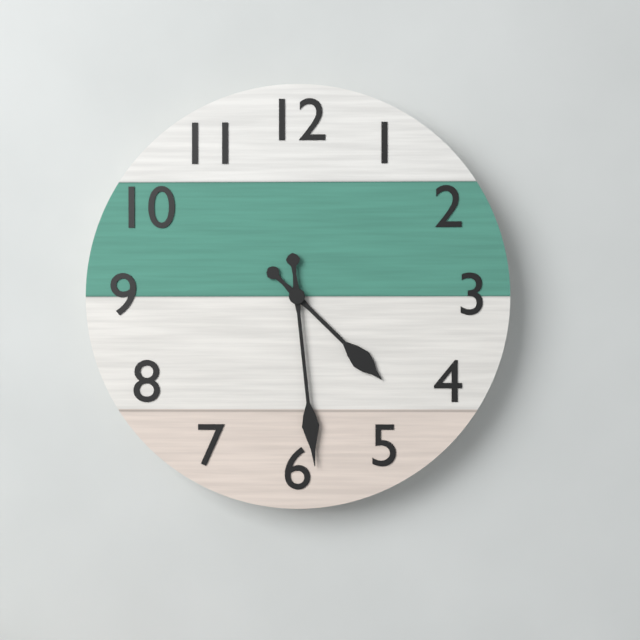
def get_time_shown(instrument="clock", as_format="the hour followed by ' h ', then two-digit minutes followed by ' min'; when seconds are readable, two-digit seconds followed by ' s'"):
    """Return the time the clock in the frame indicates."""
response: 4 h 29 min
